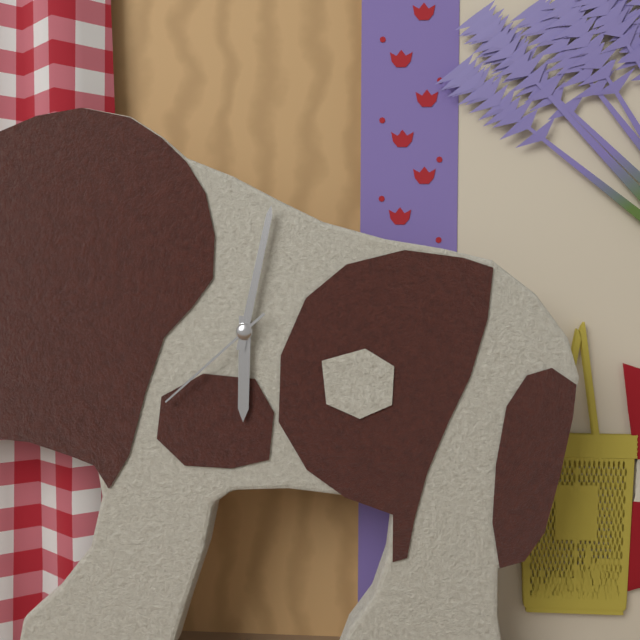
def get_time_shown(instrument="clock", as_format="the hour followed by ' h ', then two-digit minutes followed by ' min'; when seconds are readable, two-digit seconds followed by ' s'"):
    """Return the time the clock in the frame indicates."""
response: 6 h 02 min 38 s
